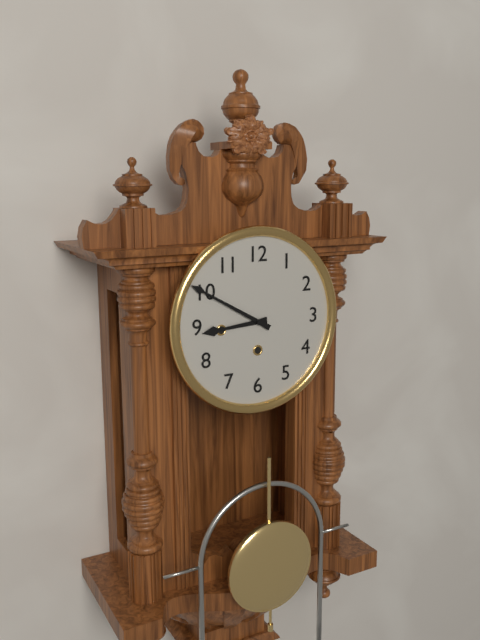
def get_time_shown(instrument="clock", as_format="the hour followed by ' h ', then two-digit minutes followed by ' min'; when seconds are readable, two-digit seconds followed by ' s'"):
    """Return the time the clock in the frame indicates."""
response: 8 h 50 min
